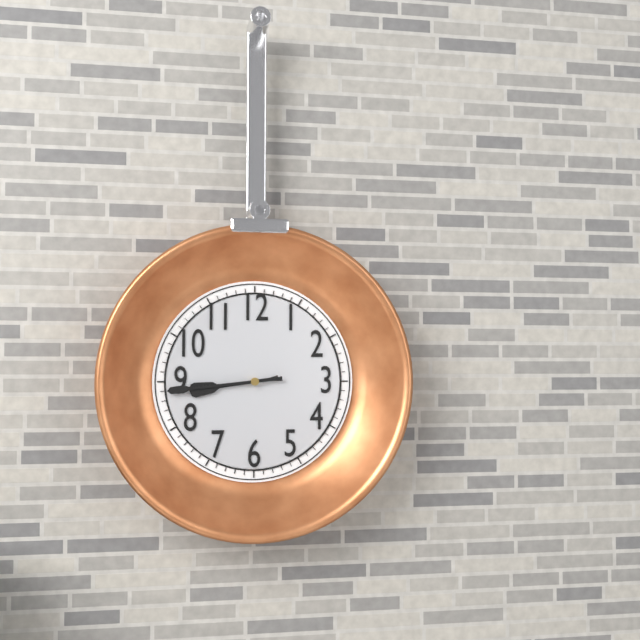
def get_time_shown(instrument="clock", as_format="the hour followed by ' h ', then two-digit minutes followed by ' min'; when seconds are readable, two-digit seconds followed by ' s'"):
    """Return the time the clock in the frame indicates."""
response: 8 h 44 min
